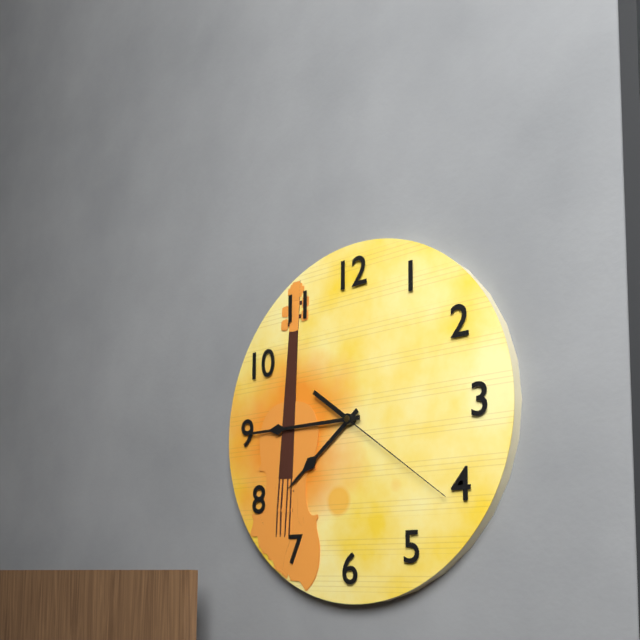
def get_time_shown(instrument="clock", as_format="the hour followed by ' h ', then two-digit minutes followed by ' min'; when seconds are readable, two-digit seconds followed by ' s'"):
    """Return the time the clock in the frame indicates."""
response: 7 h 45 min 21 s
